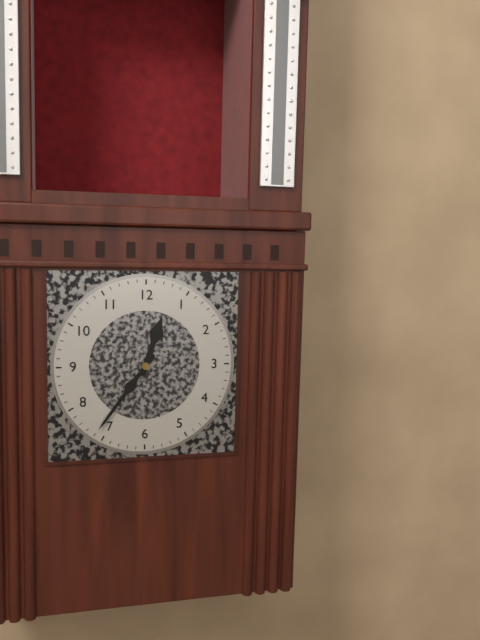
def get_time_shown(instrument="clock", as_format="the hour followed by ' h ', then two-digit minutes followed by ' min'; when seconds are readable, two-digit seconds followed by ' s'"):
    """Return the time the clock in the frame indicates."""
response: 12 h 36 min
